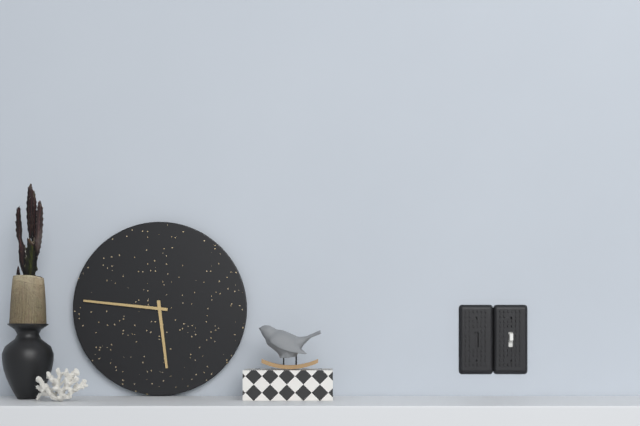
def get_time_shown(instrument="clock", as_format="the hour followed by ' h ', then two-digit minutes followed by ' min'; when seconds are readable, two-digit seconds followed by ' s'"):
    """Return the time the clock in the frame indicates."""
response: 5 h 46 min
